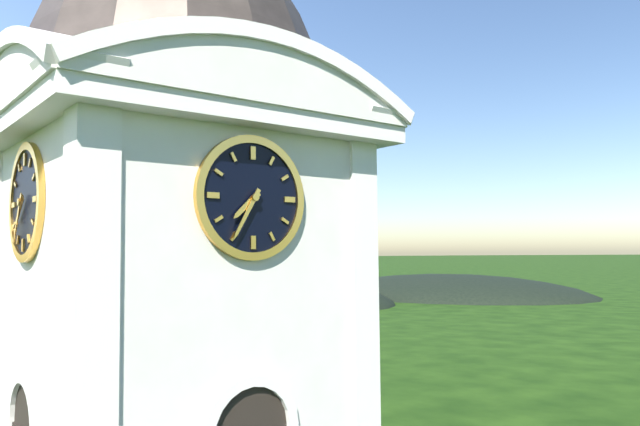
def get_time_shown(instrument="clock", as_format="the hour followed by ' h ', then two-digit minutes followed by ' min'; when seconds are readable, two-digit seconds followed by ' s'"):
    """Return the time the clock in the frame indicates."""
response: 7 h 35 min
